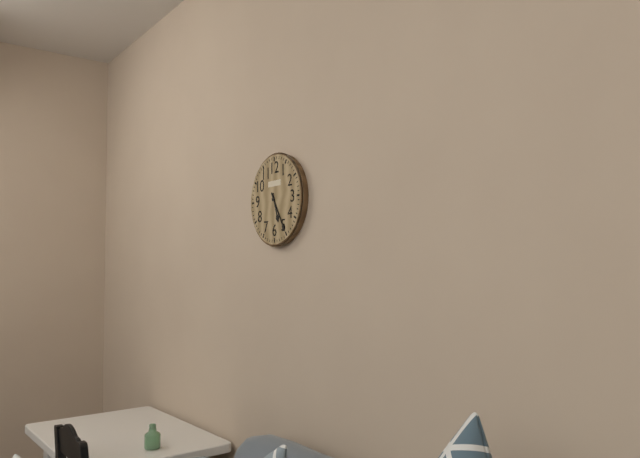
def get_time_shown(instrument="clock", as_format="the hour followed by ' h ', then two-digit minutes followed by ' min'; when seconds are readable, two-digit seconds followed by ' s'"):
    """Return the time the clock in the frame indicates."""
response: 5 h 25 min
